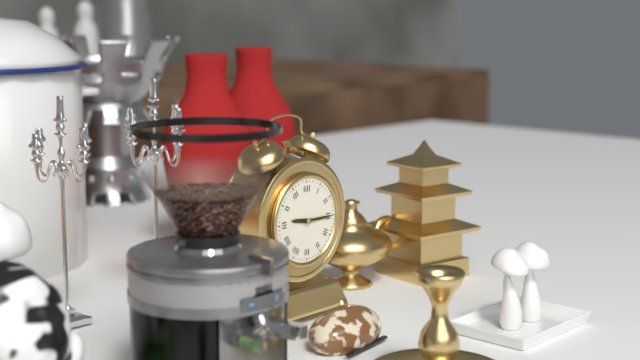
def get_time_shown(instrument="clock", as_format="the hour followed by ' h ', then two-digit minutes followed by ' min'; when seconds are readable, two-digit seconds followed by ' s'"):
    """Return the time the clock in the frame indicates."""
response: 9 h 15 min
